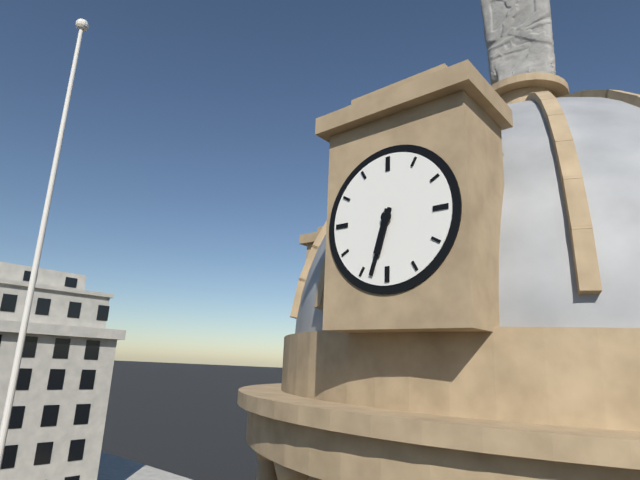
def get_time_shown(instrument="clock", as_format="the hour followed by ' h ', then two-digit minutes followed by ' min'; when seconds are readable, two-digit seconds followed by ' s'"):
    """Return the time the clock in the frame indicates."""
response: 6 h 33 min
